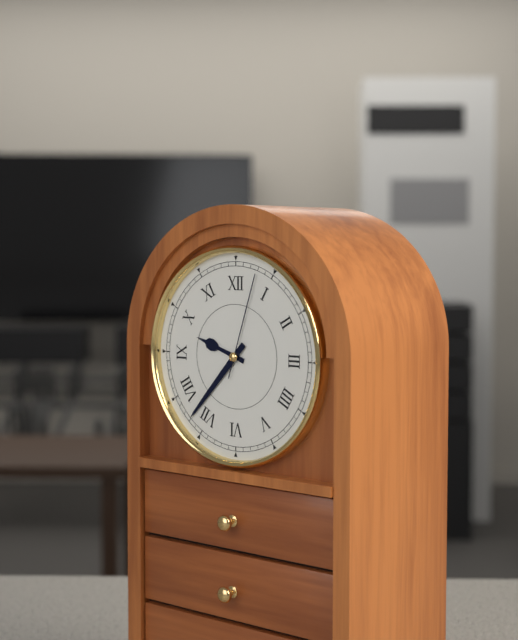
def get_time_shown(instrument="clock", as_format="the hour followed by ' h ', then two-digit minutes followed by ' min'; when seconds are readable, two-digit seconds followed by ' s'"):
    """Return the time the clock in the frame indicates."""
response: 9 h 37 min 03 s
